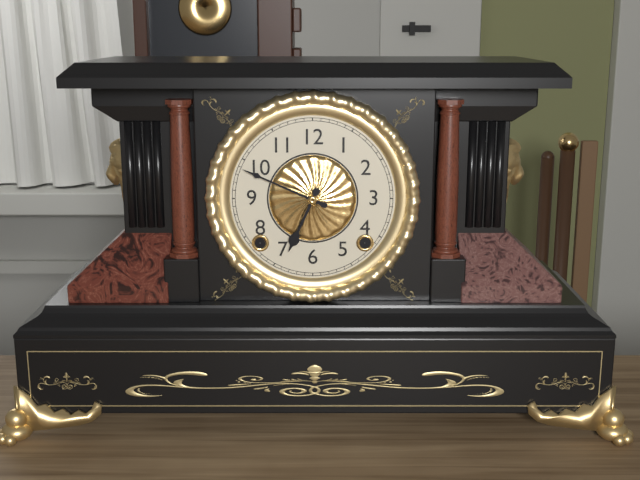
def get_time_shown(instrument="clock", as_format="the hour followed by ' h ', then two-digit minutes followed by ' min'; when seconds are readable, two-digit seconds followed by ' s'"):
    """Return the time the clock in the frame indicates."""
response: 6 h 49 min
